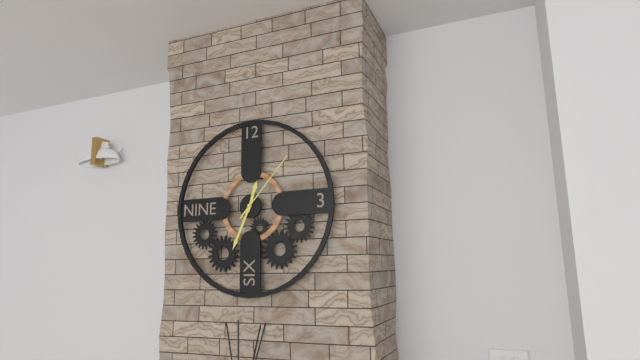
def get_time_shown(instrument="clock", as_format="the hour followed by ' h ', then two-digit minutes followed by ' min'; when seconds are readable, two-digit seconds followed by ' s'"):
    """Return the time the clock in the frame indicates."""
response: 12 h 34 min 07 s
